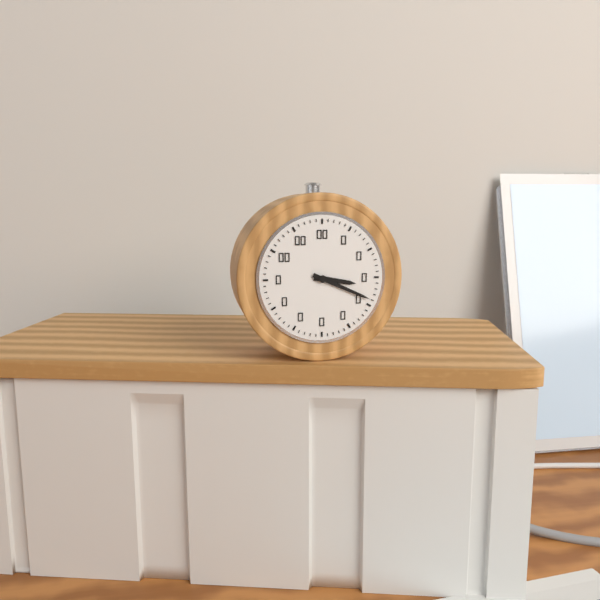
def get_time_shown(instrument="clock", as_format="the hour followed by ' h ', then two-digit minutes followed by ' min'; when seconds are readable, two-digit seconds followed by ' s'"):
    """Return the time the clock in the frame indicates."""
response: 3 h 19 min
